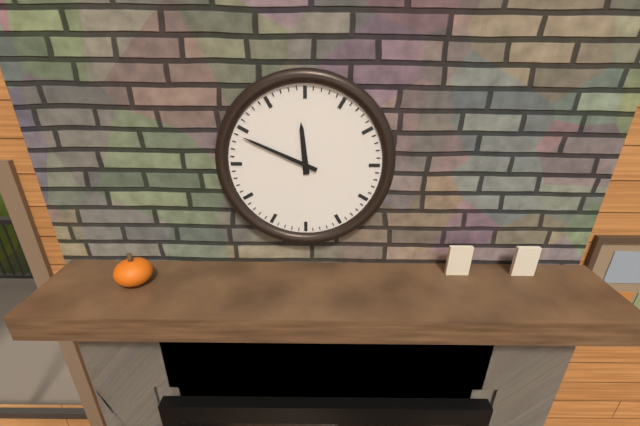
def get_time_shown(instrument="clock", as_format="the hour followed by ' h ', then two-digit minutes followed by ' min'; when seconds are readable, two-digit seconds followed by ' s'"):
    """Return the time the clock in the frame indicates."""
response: 11 h 49 min
